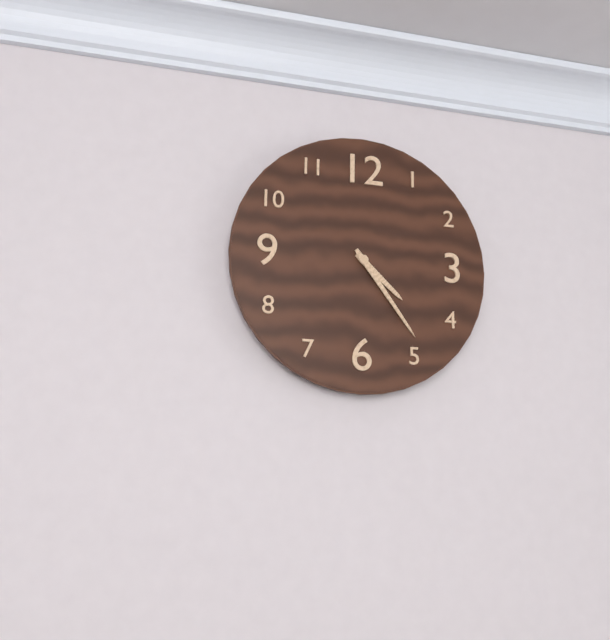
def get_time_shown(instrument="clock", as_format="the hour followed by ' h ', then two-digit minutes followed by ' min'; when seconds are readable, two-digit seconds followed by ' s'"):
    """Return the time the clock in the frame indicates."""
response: 4 h 24 min
